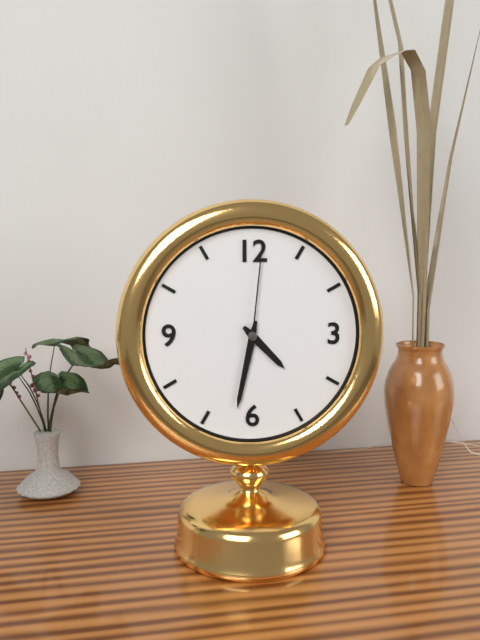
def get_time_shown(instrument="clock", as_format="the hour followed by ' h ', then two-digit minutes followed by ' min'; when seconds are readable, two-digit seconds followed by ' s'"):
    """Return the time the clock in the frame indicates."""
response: 4 h 32 min 01 s
